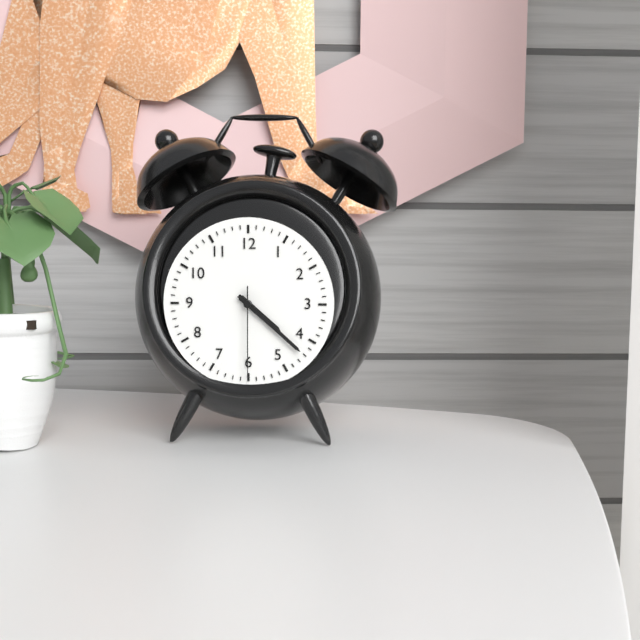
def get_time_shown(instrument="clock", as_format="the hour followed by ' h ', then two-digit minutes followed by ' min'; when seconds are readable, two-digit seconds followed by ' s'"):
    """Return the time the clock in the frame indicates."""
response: 4 h 22 min 30 s
